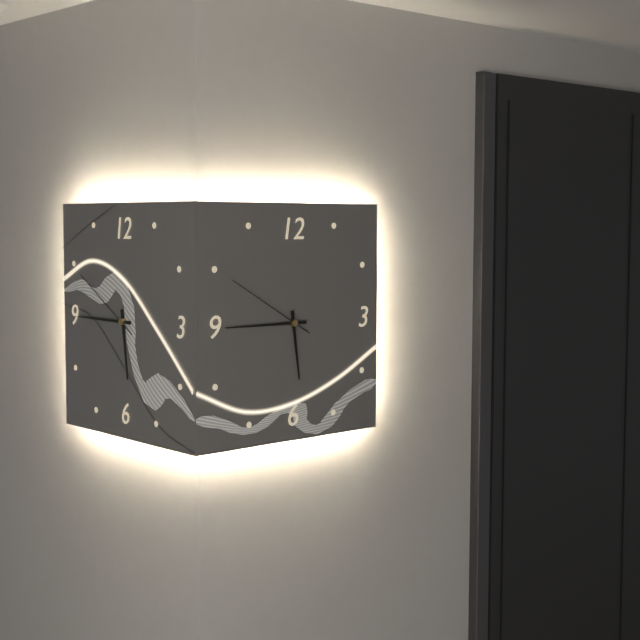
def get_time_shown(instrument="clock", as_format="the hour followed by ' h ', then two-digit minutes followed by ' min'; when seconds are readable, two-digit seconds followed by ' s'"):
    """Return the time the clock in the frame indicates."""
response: 5 h 45 min 50 s
